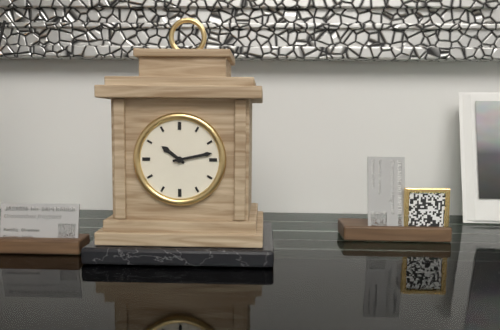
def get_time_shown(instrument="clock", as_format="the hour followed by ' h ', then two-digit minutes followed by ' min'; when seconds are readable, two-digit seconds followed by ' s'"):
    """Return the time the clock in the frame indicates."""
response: 10 h 13 min
